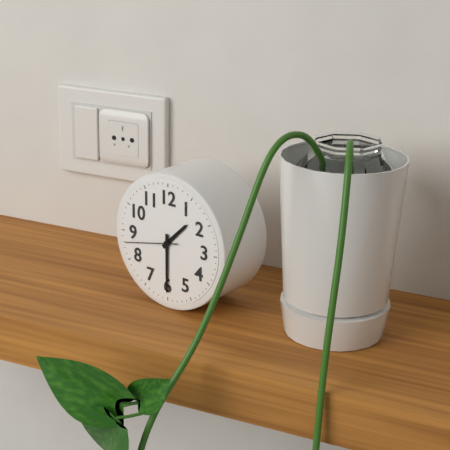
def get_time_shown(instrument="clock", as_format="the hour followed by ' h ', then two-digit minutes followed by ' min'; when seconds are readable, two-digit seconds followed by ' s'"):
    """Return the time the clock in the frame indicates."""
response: 1 h 30 min 43 s
